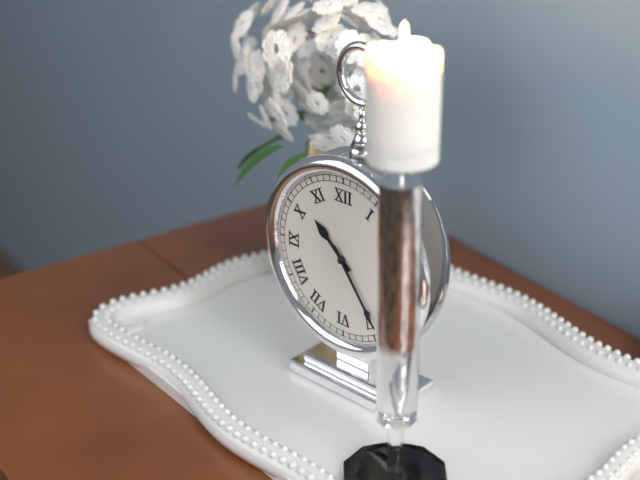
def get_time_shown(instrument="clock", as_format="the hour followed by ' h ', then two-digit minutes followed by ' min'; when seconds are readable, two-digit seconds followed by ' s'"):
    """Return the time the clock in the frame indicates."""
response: 10 h 24 min
